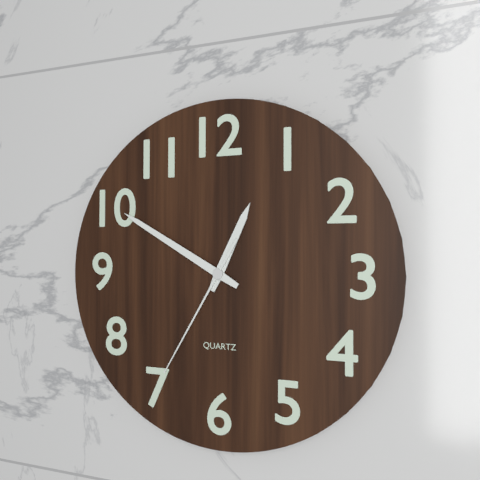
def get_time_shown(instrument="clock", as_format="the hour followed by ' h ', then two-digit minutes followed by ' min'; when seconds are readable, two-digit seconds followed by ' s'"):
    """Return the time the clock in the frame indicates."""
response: 12 h 50 min 35 s
